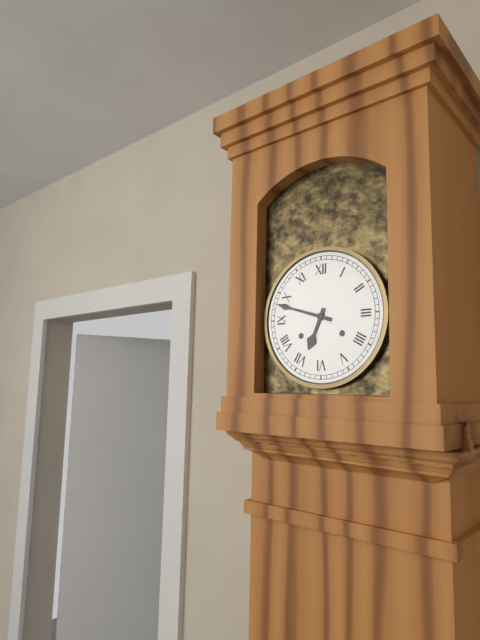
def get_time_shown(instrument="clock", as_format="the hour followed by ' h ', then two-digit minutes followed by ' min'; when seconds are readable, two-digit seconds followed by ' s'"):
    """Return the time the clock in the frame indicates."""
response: 6 h 48 min
